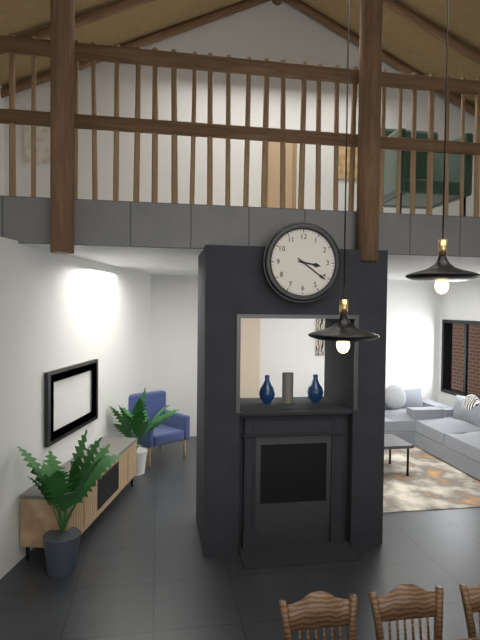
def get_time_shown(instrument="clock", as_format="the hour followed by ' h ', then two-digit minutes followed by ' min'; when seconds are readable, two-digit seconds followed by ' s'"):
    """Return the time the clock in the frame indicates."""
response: 3 h 21 min
